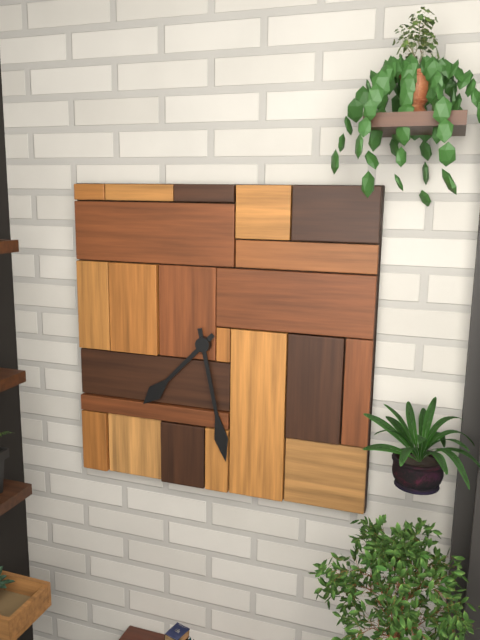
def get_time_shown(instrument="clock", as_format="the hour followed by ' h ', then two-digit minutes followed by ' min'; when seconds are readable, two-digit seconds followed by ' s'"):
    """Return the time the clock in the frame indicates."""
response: 7 h 28 min
